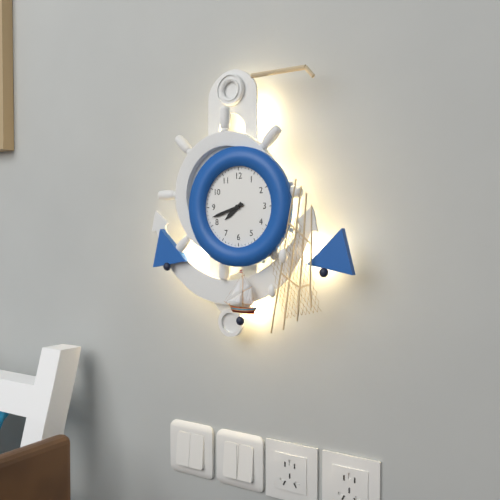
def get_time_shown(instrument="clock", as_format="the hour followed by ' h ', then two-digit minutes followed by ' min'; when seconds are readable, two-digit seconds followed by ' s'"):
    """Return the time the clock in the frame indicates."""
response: 7 h 42 min
